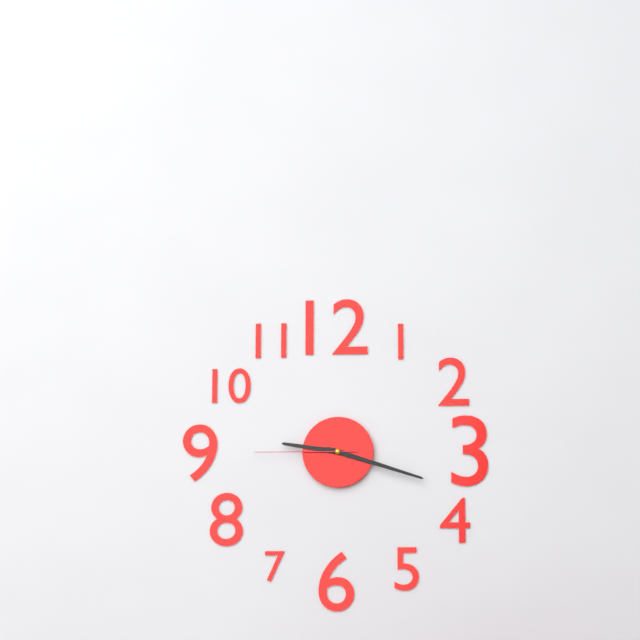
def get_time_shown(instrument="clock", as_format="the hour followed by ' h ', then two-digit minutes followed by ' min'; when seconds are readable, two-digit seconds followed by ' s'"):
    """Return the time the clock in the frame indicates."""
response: 9 h 18 min 45 s
